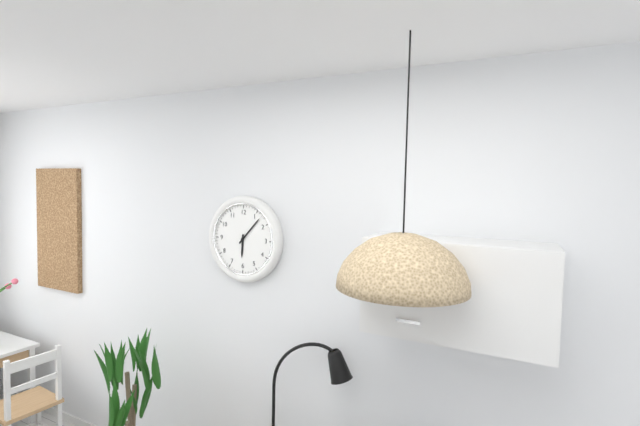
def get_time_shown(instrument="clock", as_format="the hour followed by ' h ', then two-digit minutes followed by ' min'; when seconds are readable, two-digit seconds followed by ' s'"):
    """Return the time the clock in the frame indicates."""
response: 6 h 07 min
